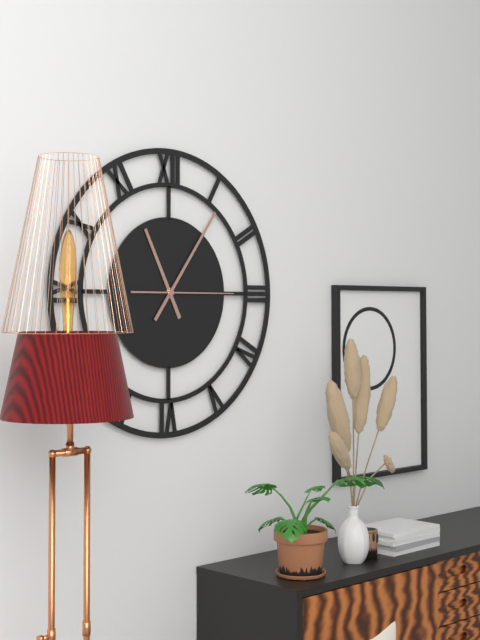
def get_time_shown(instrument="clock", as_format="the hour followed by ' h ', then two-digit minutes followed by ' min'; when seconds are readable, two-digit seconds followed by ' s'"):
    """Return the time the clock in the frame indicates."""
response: 11 h 06 min 15 s
